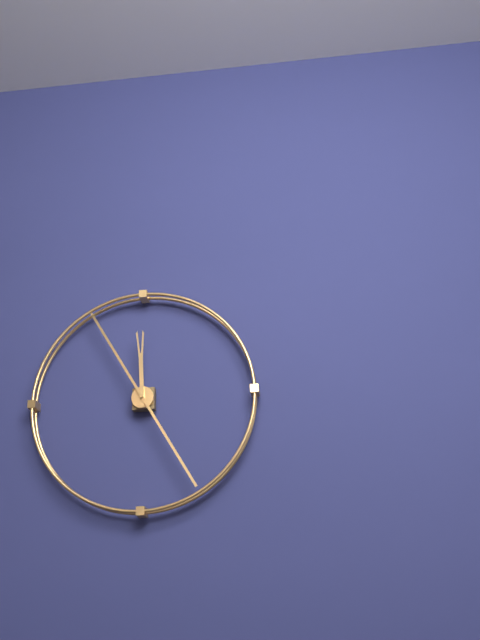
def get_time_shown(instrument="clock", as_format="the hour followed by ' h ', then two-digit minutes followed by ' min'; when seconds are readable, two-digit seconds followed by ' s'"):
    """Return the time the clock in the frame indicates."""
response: 11 h 55 min
